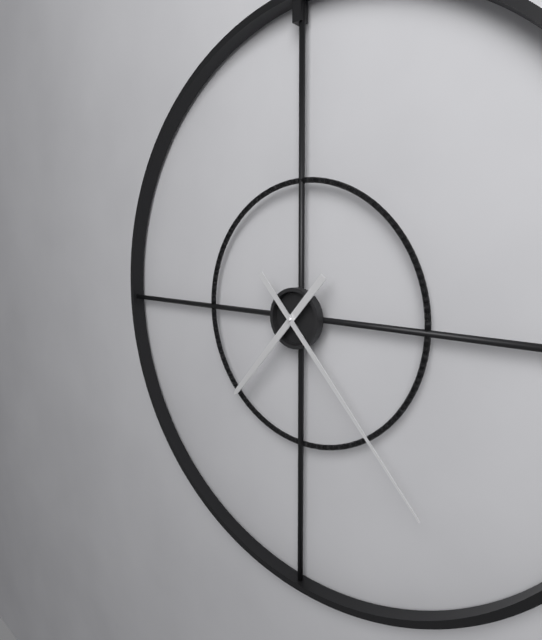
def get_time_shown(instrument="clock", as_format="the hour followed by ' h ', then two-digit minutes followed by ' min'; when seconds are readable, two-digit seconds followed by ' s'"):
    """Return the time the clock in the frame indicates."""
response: 7 h 23 min
